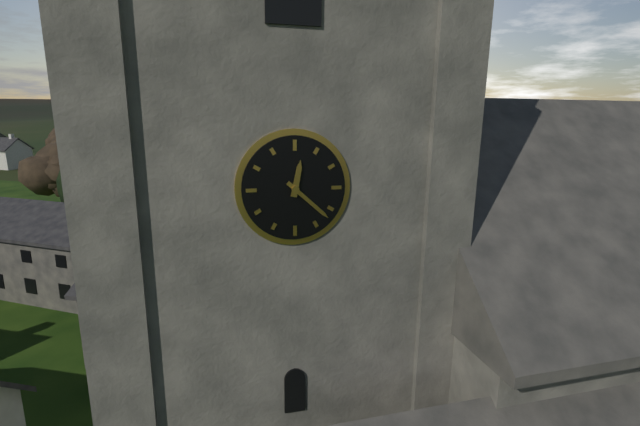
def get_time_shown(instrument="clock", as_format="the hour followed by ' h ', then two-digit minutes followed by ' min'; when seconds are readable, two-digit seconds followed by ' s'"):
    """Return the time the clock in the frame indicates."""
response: 12 h 22 min
